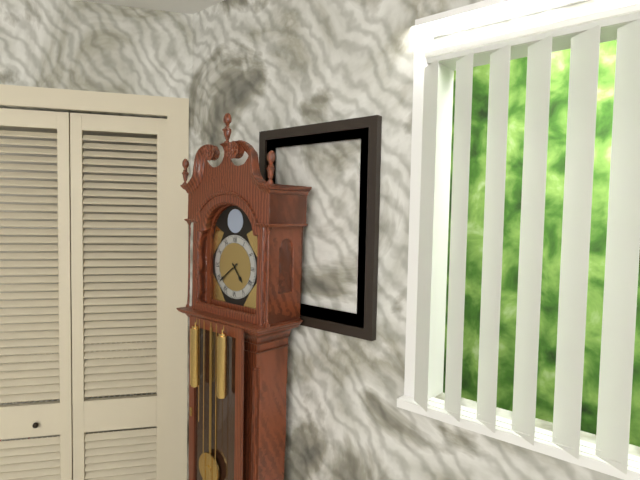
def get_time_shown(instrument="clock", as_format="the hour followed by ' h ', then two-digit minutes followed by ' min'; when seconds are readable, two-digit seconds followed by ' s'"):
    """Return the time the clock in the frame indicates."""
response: 4 h 39 min
